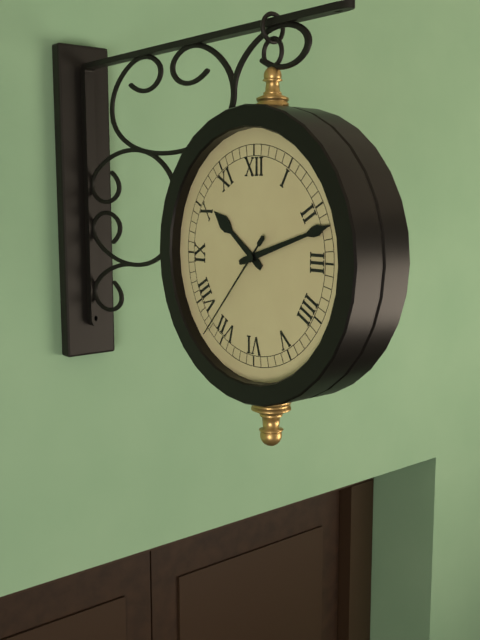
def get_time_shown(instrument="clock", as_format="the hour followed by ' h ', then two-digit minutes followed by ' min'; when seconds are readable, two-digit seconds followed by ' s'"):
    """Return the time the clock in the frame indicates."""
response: 10 h 12 min 37 s
